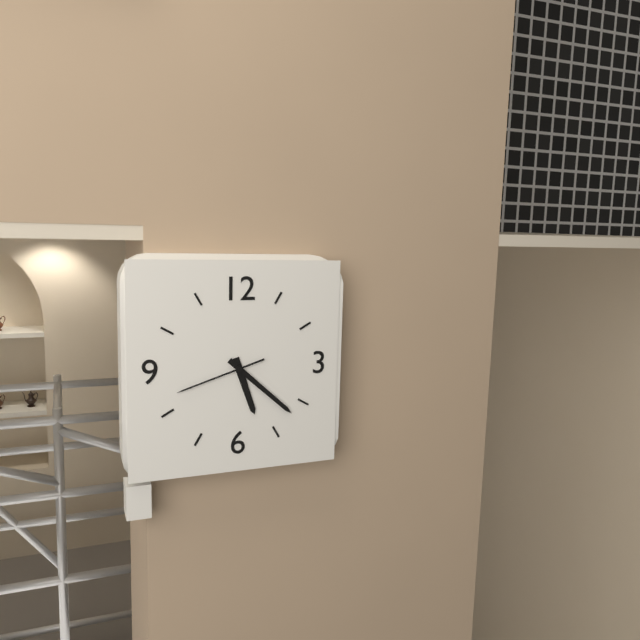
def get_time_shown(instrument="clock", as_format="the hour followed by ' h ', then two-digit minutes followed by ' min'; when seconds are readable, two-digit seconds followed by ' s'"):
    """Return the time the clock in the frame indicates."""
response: 5 h 22 min 42 s
